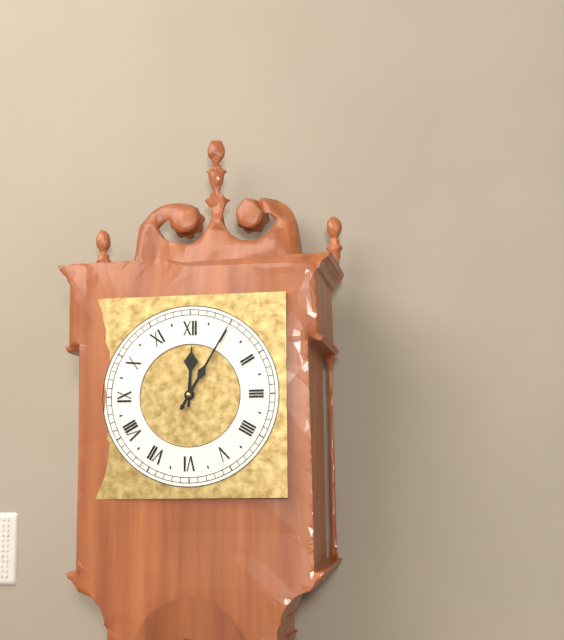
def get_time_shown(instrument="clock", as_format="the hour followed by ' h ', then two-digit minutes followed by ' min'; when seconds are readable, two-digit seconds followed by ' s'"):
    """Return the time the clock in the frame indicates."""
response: 12 h 05 min
